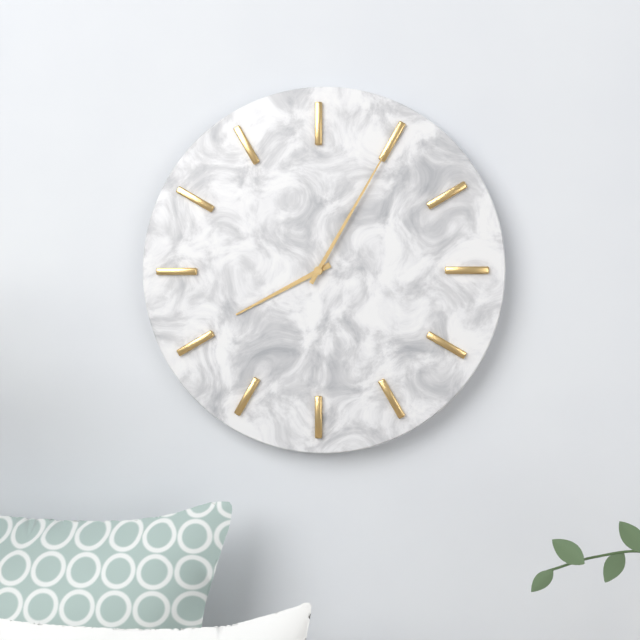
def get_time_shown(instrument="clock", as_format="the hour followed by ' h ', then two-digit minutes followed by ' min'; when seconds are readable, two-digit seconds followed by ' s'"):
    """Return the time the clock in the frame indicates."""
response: 8 h 05 min
